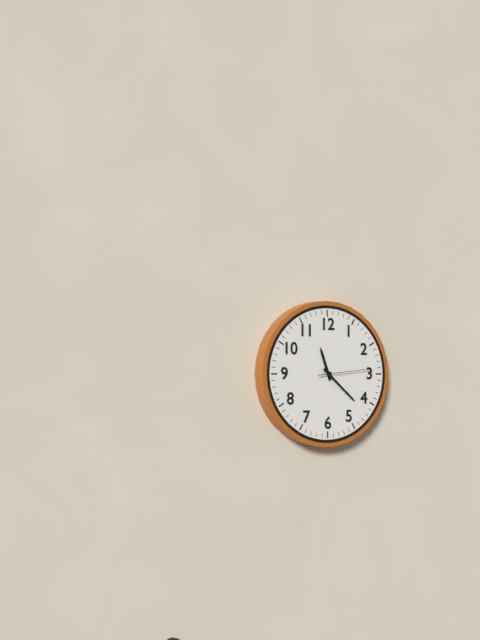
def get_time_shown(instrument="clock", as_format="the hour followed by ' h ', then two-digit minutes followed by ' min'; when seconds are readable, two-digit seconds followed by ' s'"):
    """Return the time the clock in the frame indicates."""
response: 11 h 22 min 14 s
